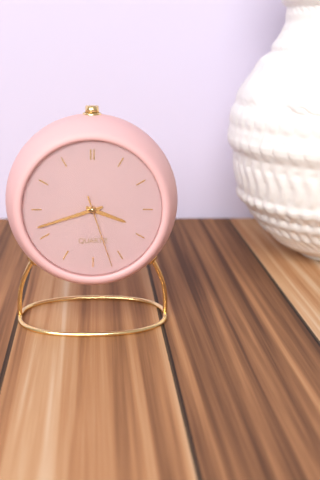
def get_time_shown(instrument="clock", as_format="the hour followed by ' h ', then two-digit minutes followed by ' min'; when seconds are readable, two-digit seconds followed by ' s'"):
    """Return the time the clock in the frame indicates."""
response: 3 h 42 min 27 s
